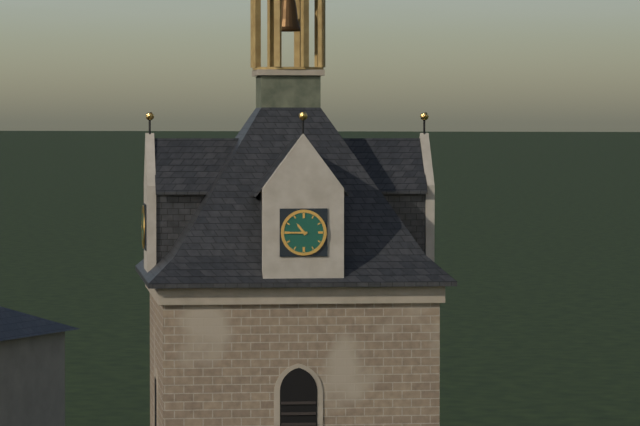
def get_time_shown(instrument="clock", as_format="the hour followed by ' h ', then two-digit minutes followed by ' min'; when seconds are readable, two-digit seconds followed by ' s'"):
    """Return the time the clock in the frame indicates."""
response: 10 h 45 min
